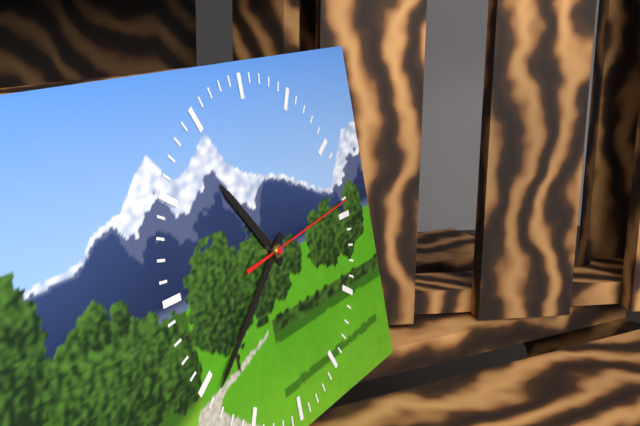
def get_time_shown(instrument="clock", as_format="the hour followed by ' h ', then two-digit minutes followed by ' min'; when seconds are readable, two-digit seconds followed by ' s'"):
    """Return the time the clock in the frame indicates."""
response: 10 h 39 min 14 s
